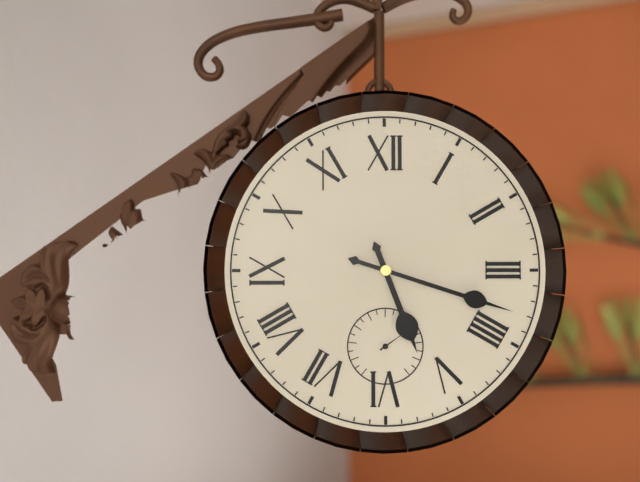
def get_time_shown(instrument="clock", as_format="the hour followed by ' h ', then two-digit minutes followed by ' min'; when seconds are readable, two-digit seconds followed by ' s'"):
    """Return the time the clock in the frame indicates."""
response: 5 h 18 min
